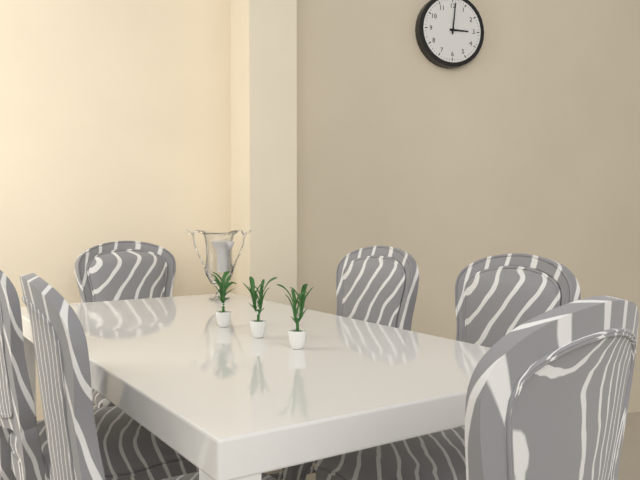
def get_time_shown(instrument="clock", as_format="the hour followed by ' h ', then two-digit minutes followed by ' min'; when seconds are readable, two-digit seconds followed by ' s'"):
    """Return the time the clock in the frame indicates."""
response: 3 h 01 min
